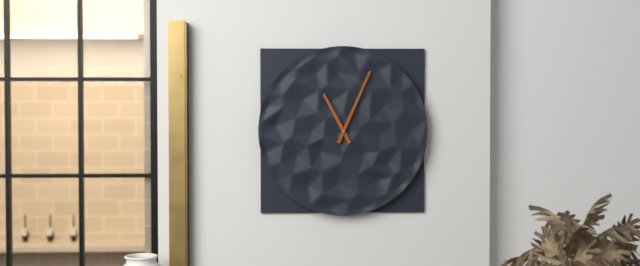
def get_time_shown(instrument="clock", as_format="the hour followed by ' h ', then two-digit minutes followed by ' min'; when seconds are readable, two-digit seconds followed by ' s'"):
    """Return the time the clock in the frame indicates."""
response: 11 h 04 min
